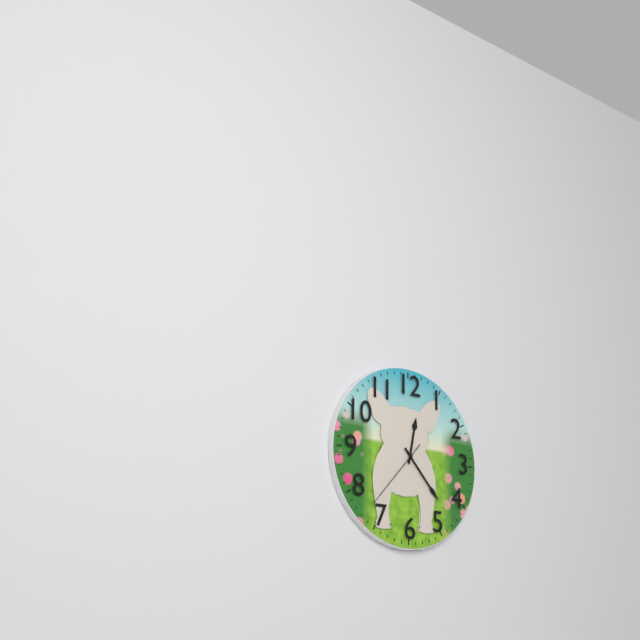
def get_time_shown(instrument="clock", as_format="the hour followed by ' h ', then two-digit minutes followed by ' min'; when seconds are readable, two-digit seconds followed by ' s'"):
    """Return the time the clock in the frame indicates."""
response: 12 h 23 min 37 s
